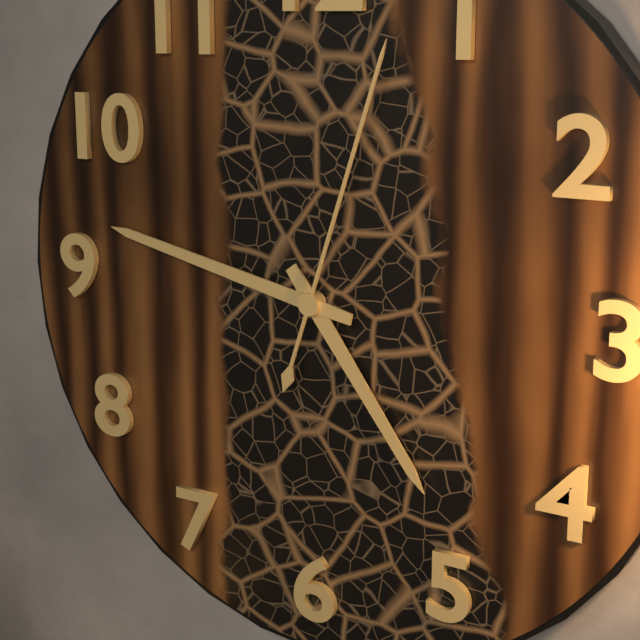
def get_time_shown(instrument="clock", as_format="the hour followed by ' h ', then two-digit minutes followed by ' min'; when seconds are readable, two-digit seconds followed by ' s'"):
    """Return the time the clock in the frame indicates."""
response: 4 h 47 min 03 s
